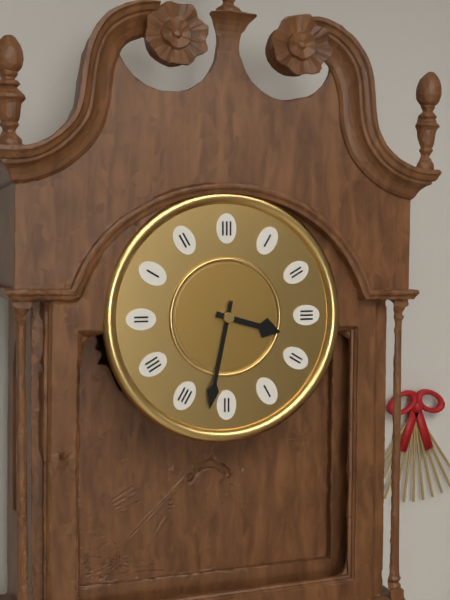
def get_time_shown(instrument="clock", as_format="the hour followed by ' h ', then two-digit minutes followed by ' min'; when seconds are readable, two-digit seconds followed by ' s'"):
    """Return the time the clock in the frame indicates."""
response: 3 h 32 min
